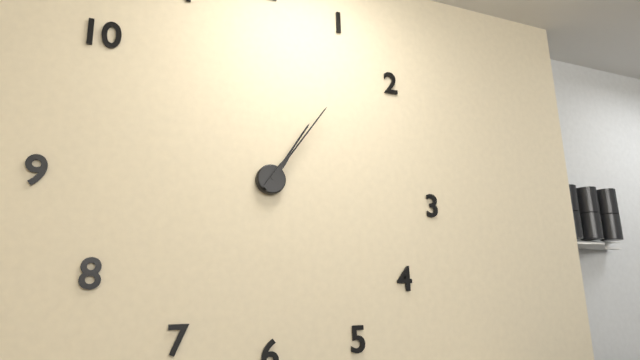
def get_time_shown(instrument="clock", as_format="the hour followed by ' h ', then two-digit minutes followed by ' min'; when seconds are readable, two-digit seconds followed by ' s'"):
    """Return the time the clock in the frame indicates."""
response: 1 h 06 min
